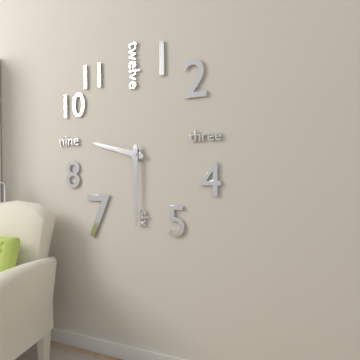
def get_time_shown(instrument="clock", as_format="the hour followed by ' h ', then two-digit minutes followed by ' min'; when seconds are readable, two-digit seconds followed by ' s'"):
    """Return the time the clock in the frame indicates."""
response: 9 h 30 min
